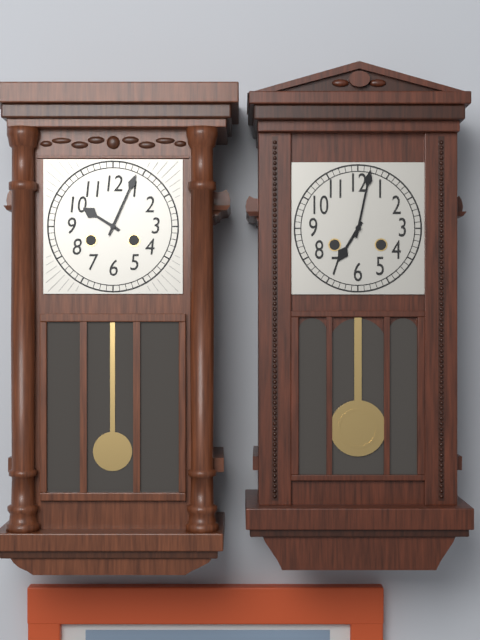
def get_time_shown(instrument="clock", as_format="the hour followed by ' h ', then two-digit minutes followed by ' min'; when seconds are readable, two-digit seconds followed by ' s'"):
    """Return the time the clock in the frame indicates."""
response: 10 h 04 min
